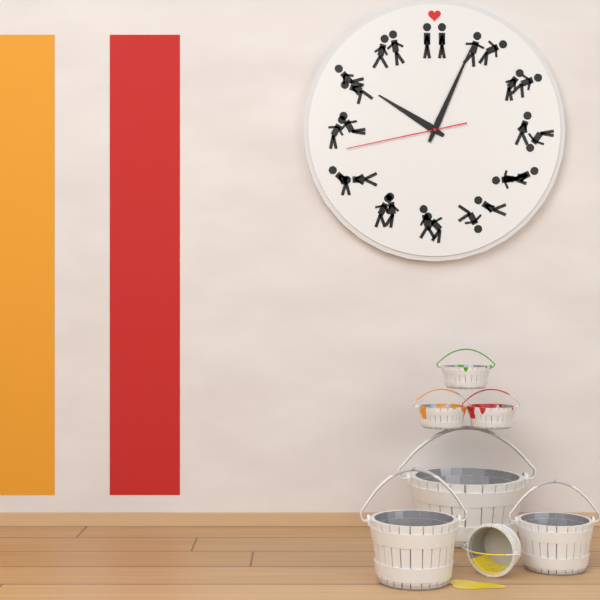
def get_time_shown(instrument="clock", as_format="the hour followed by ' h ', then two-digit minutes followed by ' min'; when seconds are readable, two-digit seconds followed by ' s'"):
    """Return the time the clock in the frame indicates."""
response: 10 h 04 min 43 s
